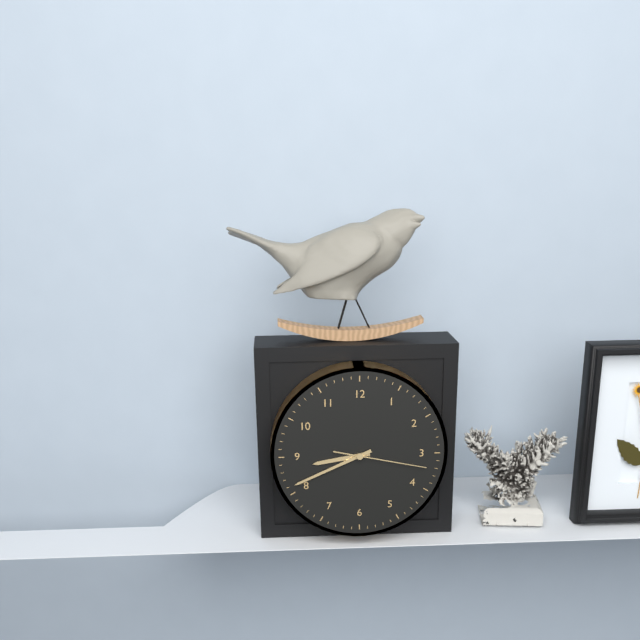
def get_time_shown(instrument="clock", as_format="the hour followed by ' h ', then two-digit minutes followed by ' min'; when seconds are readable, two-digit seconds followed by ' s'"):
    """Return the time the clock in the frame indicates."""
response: 8 h 41 min 17 s
